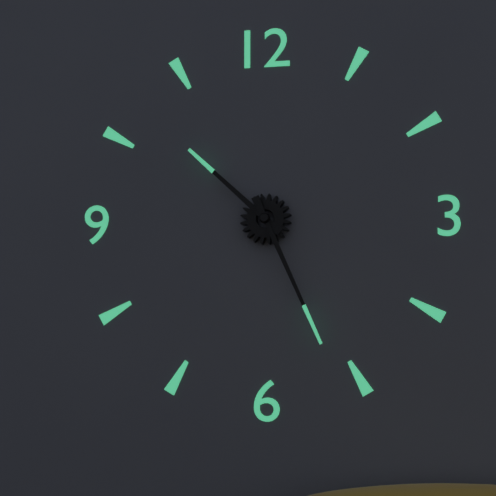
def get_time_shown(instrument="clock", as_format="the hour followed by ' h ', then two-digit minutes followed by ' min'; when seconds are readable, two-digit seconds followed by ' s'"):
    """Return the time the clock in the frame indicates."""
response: 10 h 26 min
